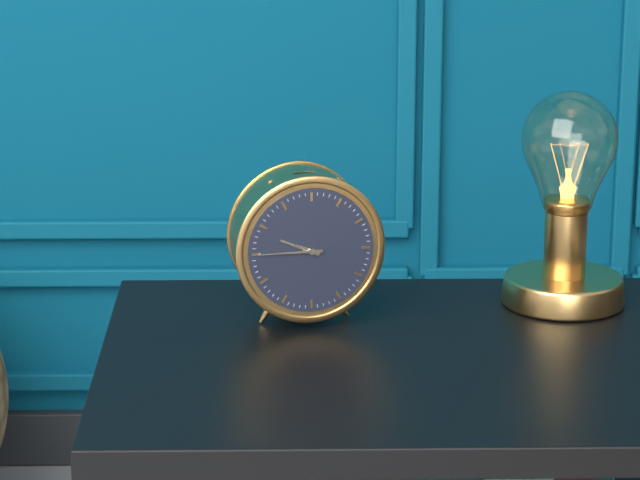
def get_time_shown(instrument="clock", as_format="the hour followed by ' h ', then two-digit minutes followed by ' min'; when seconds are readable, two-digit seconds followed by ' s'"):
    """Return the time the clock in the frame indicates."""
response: 9 h 45 min
